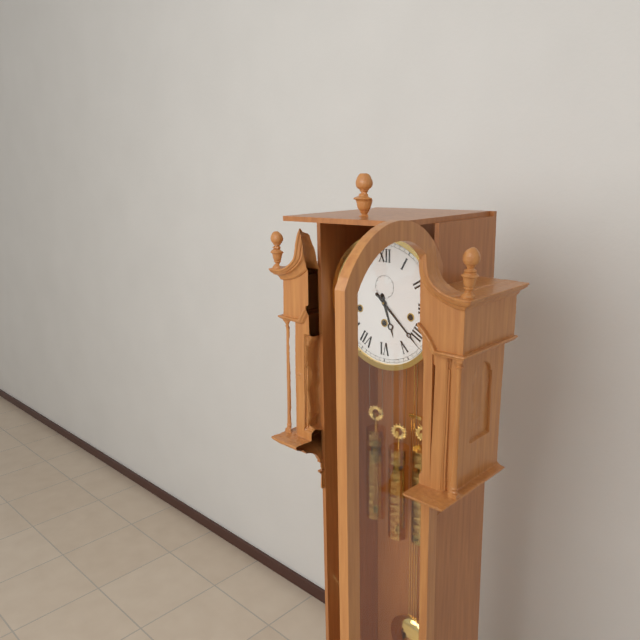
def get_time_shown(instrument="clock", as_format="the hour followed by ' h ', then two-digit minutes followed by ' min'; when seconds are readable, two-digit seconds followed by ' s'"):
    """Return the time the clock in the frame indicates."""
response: 5 h 22 min
